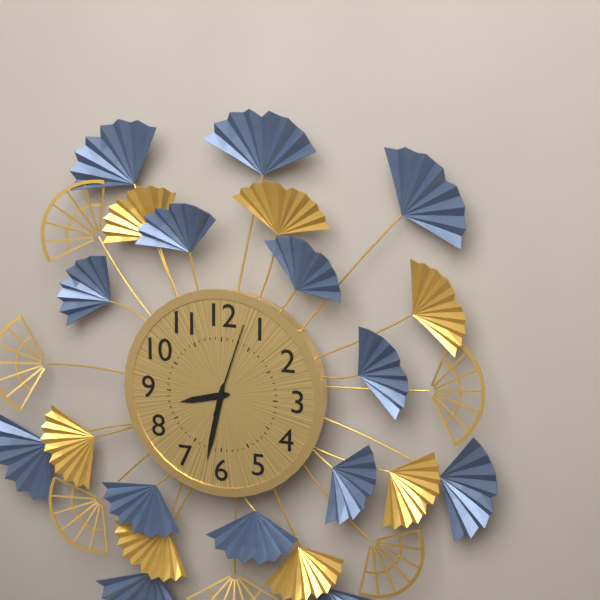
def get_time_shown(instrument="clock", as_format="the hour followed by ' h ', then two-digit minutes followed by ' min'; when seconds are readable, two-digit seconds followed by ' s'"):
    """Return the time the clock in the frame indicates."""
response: 8 h 32 min 03 s
